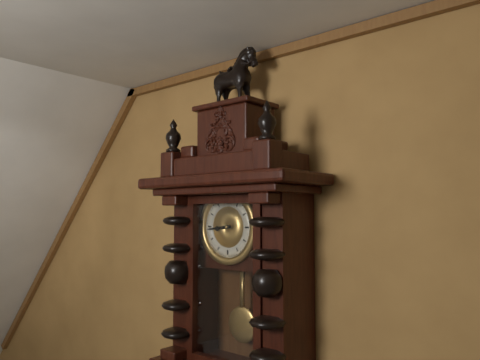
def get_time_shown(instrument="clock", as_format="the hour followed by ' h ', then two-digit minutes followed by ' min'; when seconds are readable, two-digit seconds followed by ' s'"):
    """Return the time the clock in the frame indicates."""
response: 8 h 44 min
